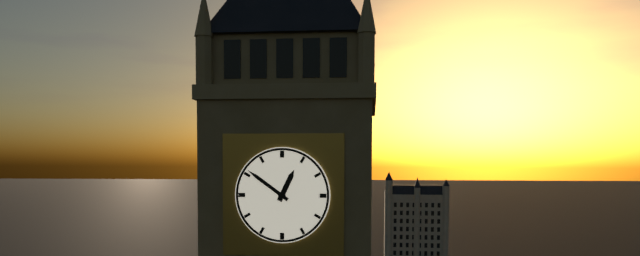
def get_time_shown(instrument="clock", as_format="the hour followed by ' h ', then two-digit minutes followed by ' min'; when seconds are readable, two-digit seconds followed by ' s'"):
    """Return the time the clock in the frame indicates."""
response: 12 h 51 min
